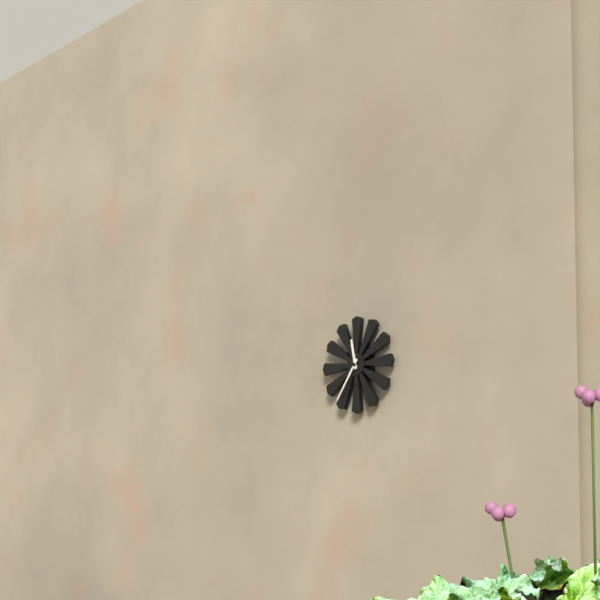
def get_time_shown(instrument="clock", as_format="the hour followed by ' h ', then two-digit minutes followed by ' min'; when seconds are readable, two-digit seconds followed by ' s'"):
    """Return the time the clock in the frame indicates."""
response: 11 h 36 min
